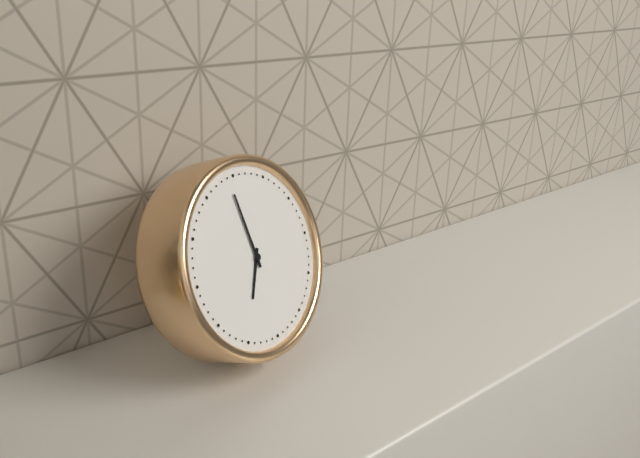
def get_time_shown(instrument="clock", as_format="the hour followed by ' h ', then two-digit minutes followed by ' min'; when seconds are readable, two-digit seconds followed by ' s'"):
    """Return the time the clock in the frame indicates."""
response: 6 h 59 min
